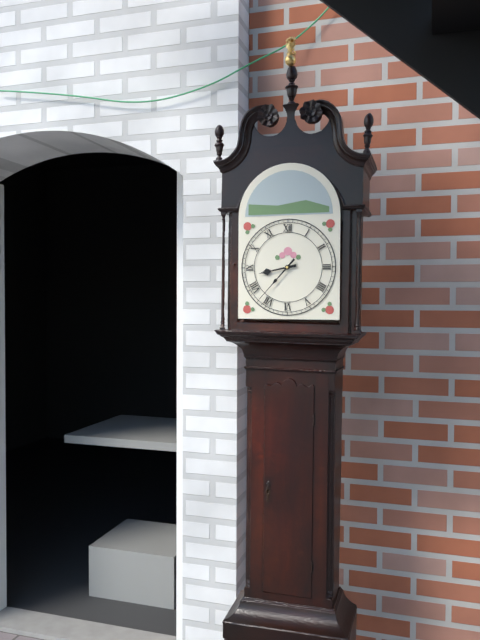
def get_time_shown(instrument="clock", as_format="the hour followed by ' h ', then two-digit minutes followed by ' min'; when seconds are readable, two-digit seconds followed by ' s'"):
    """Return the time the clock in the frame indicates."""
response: 8 h 37 min
